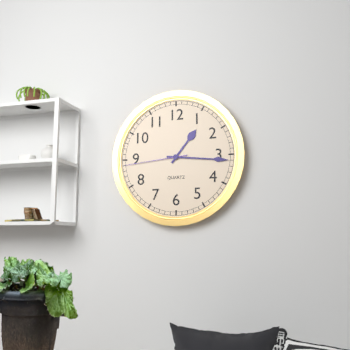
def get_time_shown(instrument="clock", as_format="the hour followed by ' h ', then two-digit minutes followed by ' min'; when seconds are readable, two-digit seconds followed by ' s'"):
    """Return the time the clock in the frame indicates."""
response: 1 h 16 min 44 s
